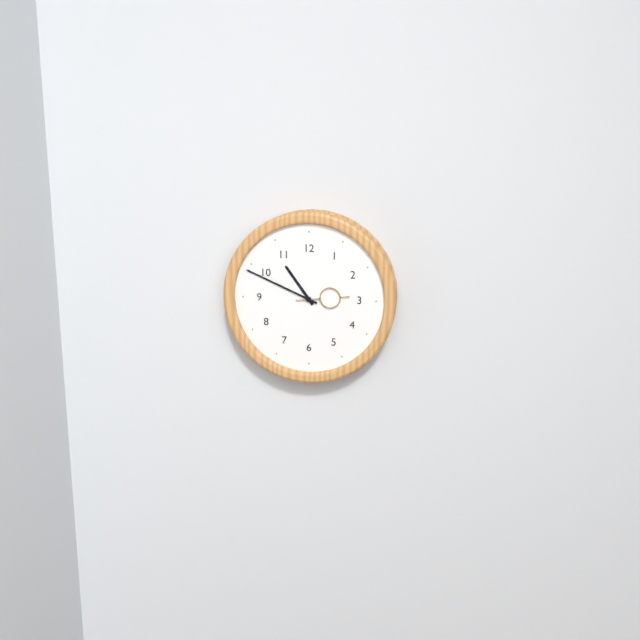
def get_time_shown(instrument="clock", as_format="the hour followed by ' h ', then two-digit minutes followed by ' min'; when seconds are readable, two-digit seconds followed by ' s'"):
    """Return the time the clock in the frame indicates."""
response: 10 h 49 min 14 s
